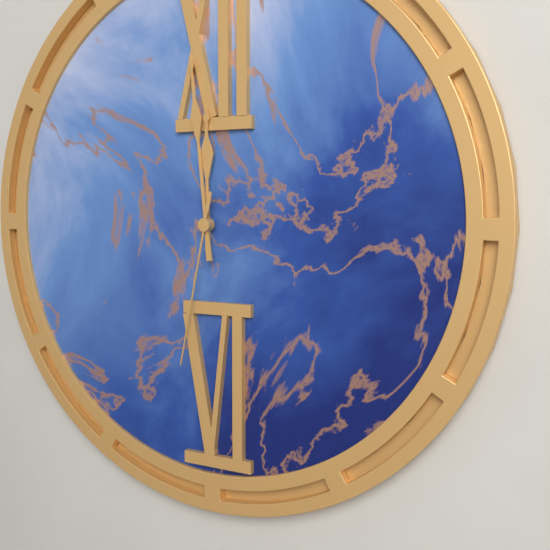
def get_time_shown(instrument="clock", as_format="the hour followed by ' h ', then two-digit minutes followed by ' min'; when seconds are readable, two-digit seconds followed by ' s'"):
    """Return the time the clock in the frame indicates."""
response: 11 h 59 min 32 s
